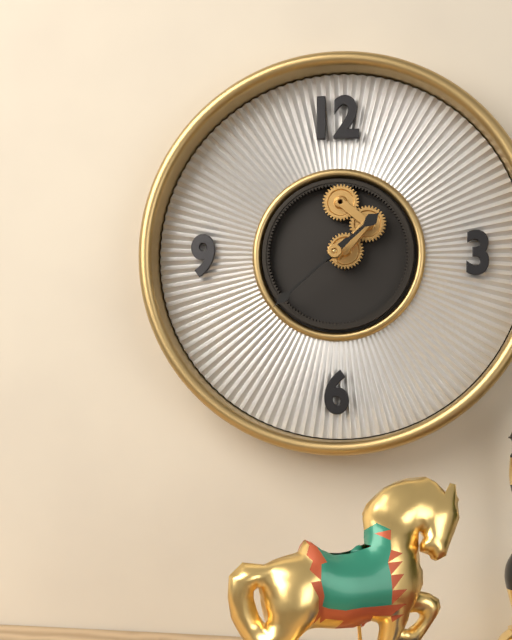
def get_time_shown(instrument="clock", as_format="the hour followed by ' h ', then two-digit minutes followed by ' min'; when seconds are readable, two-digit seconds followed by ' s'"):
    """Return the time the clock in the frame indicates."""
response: 1 h 38 min
